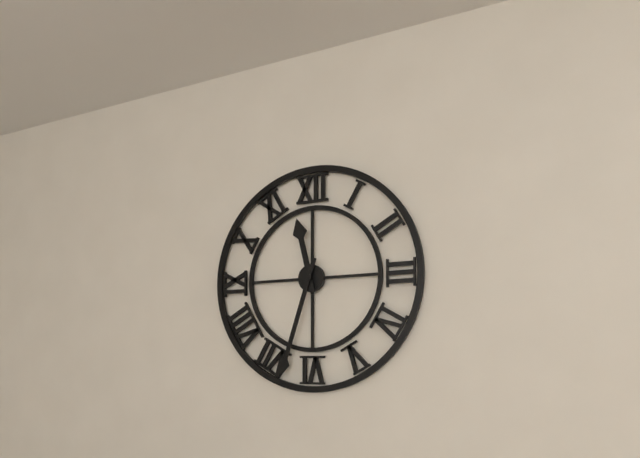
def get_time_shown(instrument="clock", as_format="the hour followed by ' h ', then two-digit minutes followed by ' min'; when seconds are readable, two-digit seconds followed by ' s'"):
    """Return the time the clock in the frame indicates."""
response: 11 h 33 min
